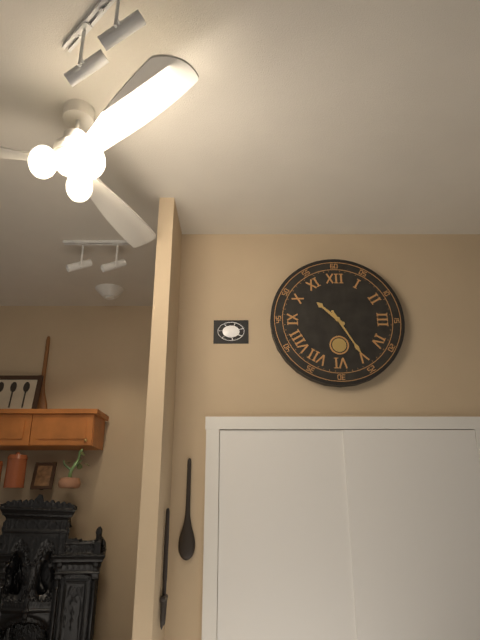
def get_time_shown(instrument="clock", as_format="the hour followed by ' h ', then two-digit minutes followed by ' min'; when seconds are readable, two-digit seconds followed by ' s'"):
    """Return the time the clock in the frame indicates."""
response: 10 h 25 min
